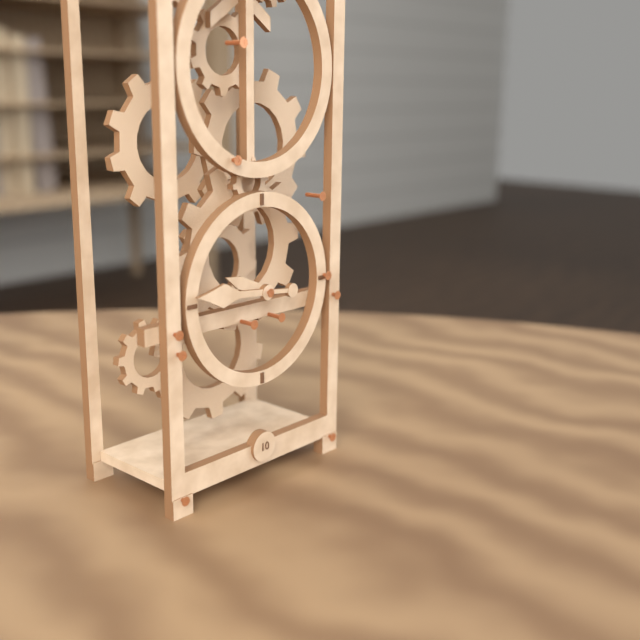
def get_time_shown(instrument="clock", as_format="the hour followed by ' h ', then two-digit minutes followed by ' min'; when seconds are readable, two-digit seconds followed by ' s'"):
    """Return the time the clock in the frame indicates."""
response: 9 h 46 min
